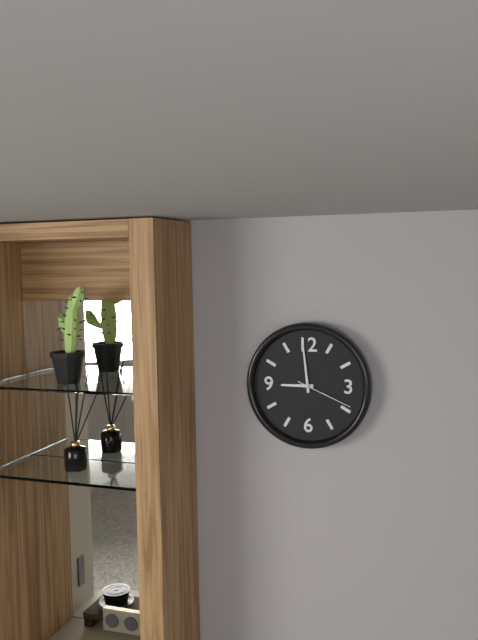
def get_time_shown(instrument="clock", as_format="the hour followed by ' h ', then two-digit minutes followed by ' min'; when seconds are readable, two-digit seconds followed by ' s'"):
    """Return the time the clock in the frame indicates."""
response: 8 h 59 min 19 s
